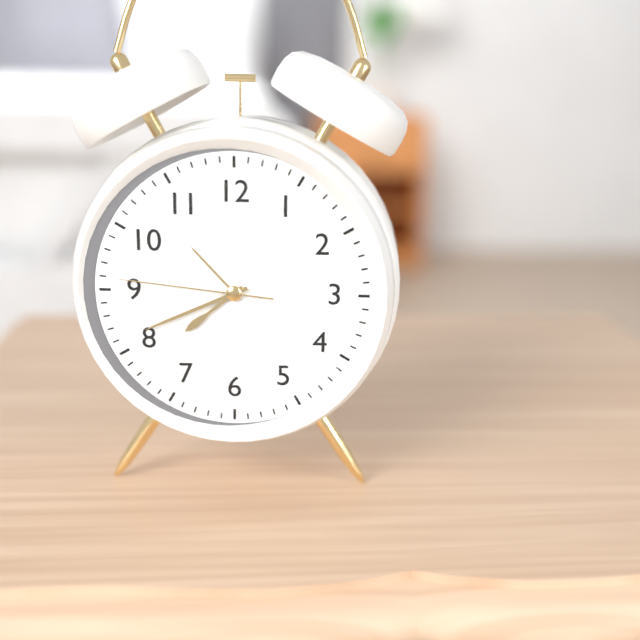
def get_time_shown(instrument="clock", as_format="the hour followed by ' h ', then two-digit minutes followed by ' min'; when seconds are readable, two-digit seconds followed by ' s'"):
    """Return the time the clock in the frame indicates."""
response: 7 h 41 min 46 s
